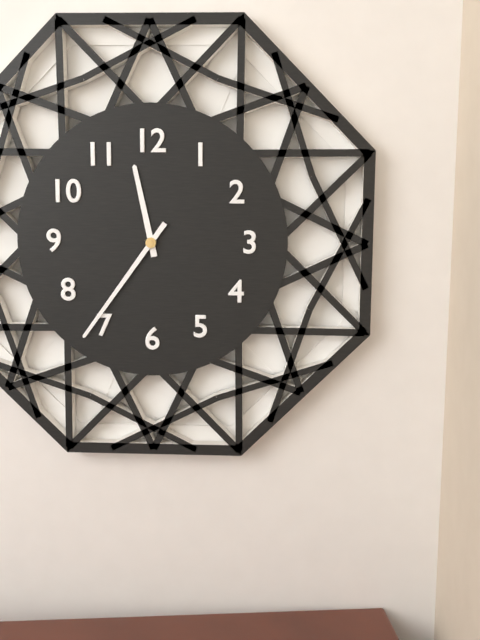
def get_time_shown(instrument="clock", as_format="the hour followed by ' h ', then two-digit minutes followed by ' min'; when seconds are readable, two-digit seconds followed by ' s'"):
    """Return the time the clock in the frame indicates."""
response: 11 h 36 min
